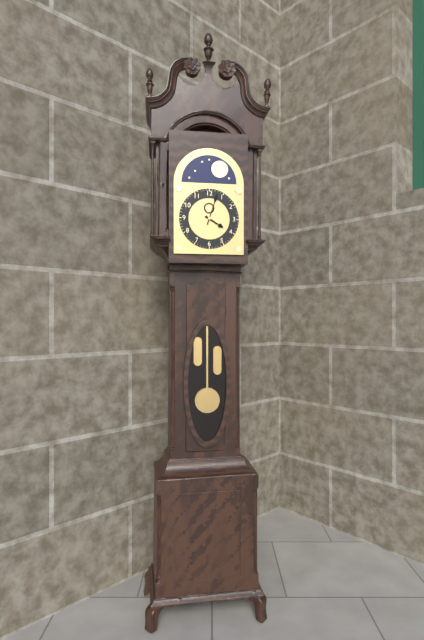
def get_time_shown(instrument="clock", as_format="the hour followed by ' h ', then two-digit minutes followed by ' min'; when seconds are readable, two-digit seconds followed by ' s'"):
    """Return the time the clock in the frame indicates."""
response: 4 h 03 min
